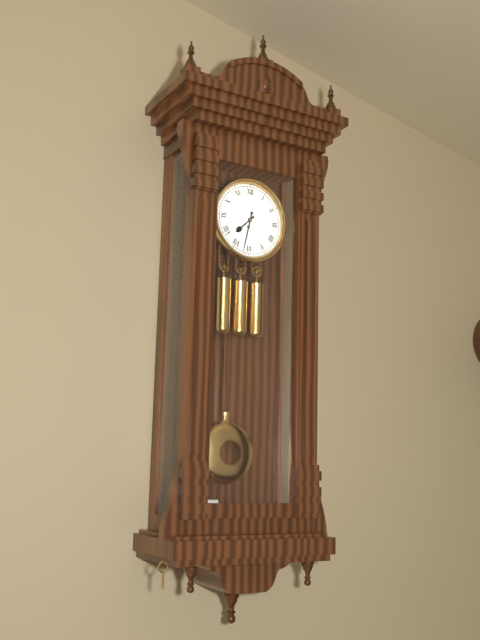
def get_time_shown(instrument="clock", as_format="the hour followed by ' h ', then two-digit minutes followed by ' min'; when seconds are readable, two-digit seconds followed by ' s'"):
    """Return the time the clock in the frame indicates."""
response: 7 h 32 min
